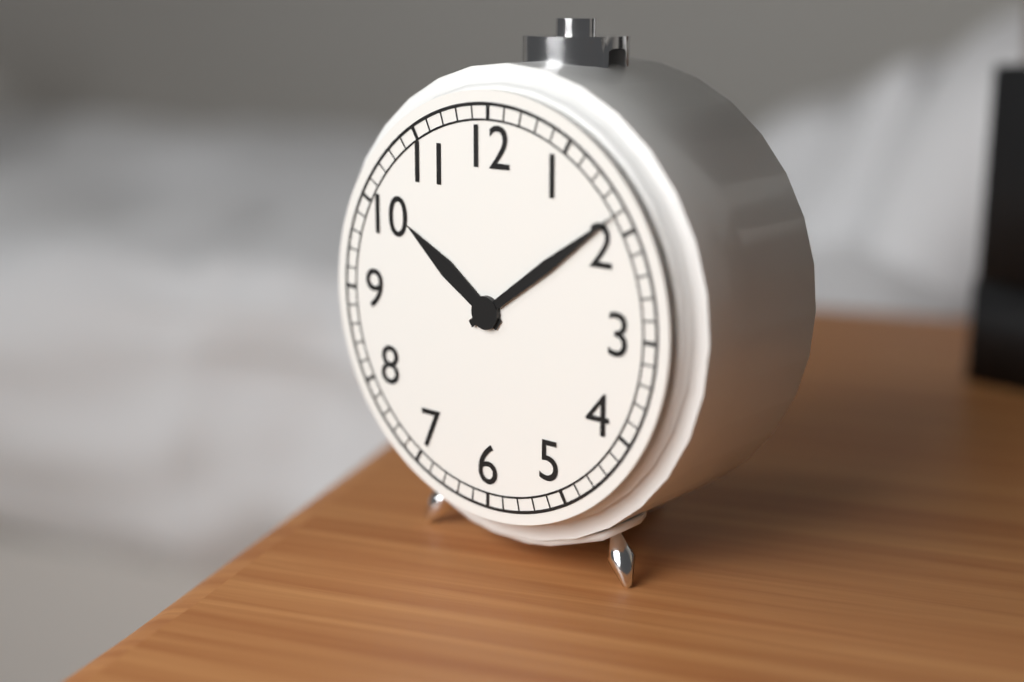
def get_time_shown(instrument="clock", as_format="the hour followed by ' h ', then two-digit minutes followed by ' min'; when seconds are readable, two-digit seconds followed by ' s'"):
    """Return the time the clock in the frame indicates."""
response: 10 h 09 min
